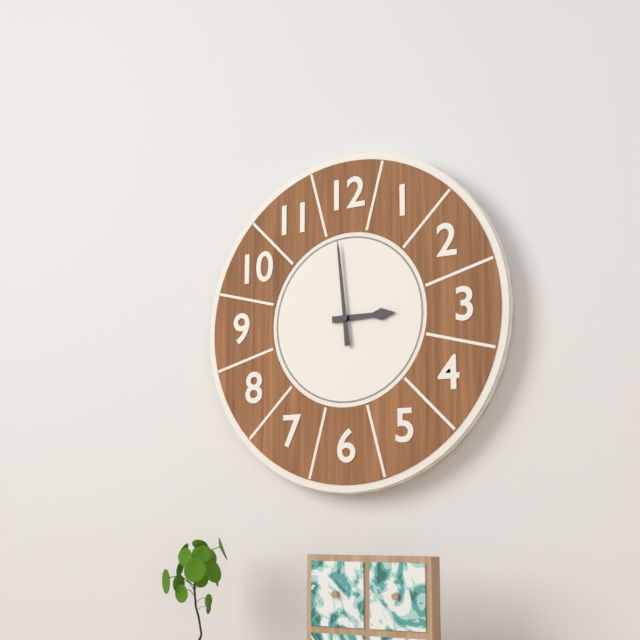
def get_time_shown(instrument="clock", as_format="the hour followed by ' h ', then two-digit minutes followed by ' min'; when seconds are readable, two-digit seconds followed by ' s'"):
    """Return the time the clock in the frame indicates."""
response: 2 h 59 min
